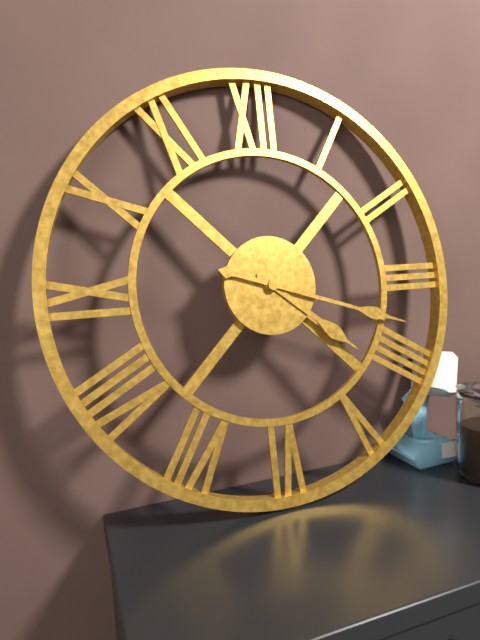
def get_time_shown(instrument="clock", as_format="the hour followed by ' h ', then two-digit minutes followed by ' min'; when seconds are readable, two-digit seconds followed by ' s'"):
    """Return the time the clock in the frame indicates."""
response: 4 h 18 min
